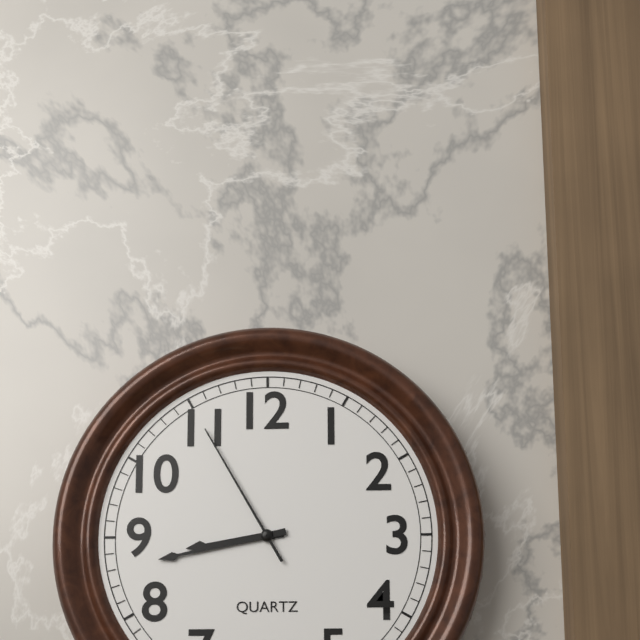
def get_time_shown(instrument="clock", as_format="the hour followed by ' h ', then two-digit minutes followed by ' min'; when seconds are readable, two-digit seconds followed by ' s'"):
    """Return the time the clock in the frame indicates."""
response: 8 h 43 min 55 s
